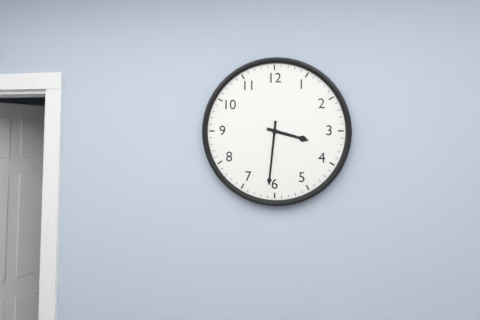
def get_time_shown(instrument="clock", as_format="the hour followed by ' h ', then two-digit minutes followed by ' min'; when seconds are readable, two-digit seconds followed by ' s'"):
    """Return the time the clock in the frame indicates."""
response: 3 h 31 min
